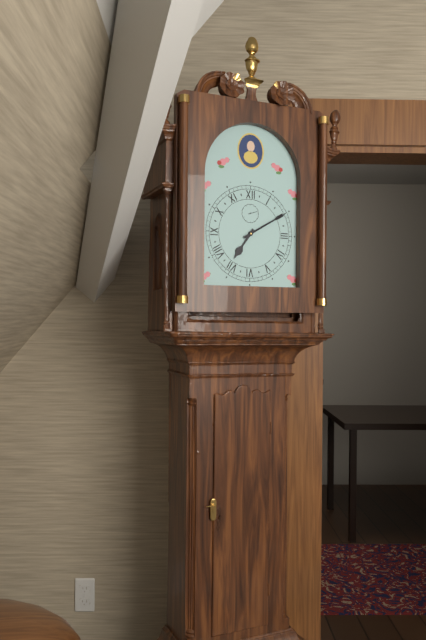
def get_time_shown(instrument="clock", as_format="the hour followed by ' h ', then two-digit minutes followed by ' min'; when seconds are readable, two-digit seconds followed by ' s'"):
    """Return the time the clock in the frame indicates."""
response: 7 h 10 min
